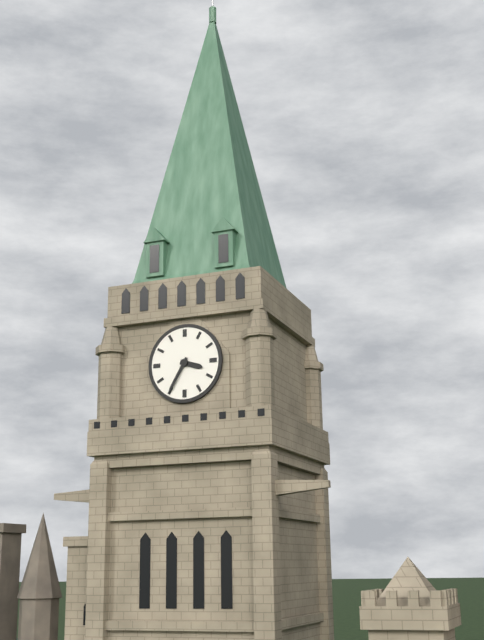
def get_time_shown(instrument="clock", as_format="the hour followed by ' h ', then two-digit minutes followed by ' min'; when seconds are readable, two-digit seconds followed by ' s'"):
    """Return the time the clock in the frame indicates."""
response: 3 h 35 min
